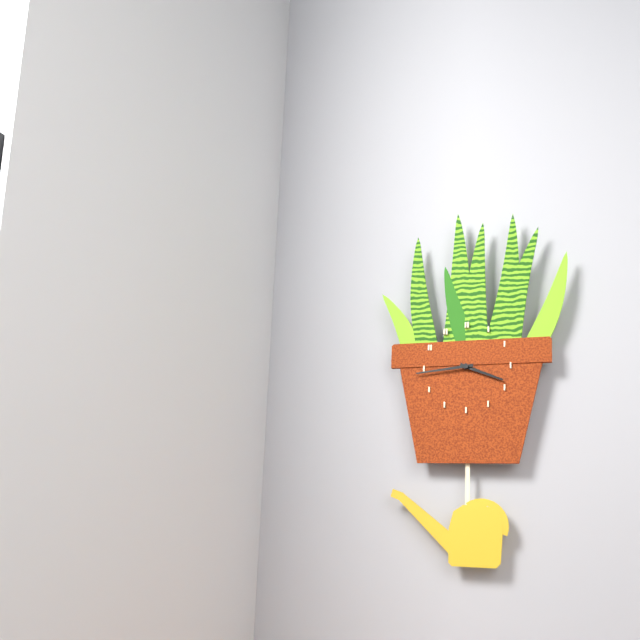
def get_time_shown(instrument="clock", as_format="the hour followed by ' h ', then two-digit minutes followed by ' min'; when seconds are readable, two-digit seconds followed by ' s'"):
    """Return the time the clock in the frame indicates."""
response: 3 h 44 min
